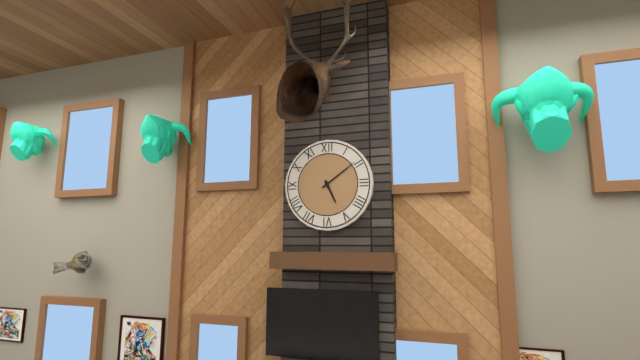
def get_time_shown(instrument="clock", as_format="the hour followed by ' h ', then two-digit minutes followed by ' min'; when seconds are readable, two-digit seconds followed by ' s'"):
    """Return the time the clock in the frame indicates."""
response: 5 h 09 min
